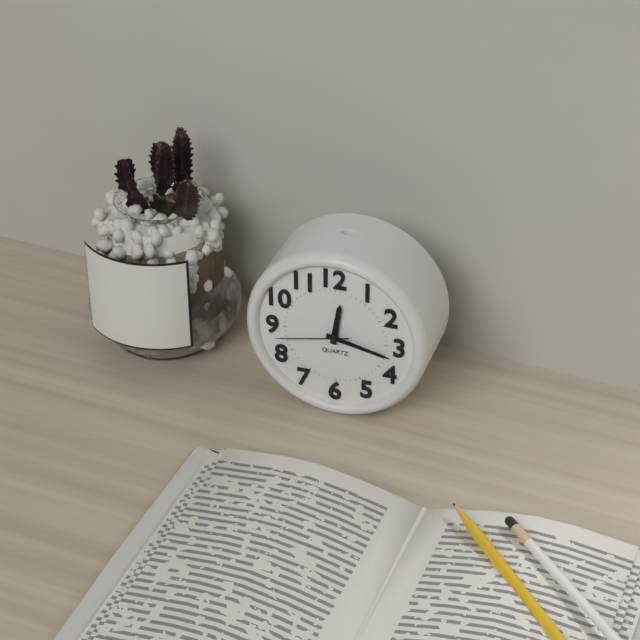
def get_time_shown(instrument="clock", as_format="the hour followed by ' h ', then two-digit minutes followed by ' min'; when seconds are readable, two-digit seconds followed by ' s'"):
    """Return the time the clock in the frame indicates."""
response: 12 h 17 min 43 s
